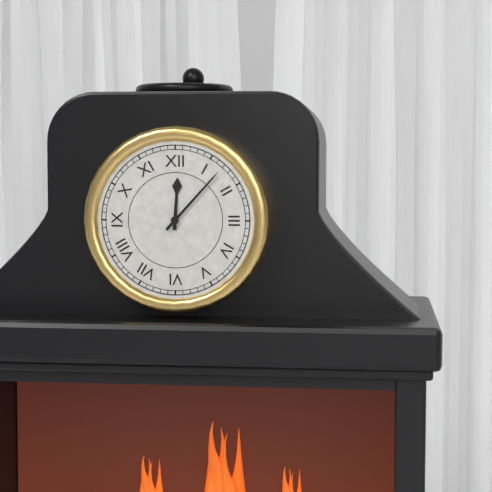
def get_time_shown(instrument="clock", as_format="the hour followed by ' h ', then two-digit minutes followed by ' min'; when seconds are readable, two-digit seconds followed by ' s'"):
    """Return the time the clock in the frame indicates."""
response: 12 h 07 min
